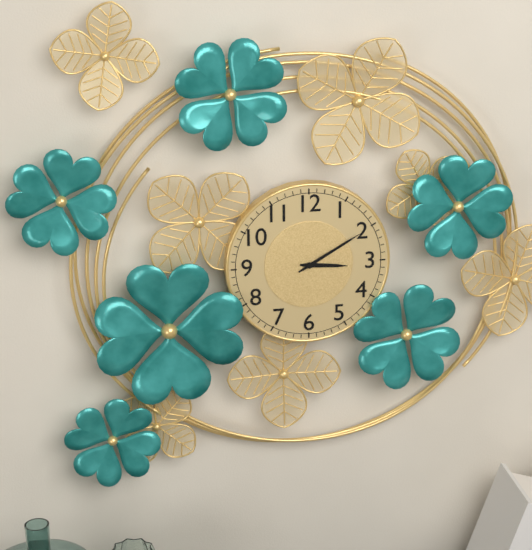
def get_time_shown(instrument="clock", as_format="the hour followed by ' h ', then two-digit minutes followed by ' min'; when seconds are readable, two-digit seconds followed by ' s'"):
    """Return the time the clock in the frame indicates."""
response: 3 h 10 min
